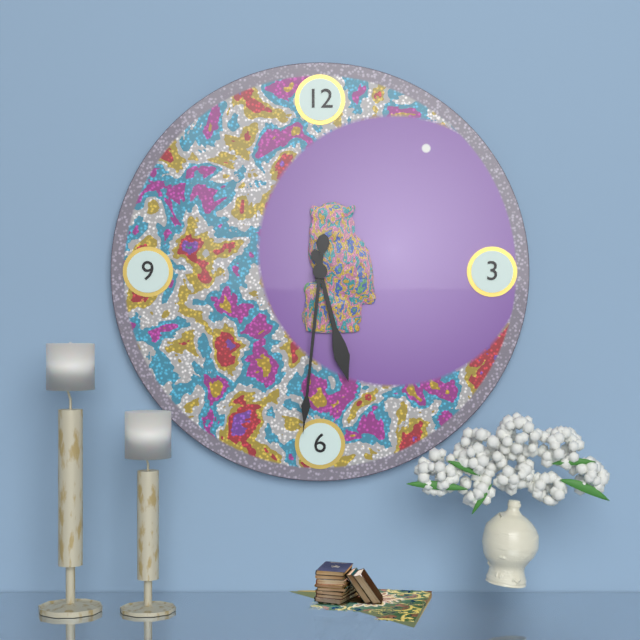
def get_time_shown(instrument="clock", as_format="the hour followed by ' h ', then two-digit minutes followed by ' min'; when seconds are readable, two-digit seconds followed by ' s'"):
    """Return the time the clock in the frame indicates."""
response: 5 h 31 min
